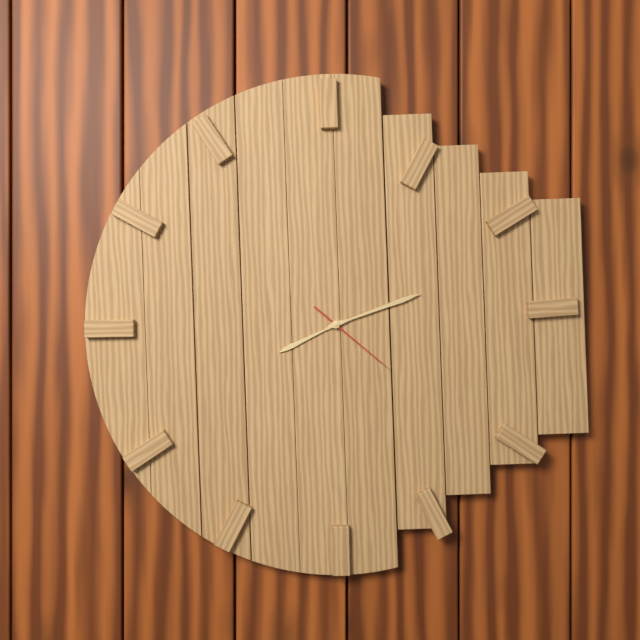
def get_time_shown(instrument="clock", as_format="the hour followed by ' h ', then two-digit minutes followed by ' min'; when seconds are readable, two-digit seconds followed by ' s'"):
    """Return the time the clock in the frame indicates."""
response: 8 h 12 min 22 s
